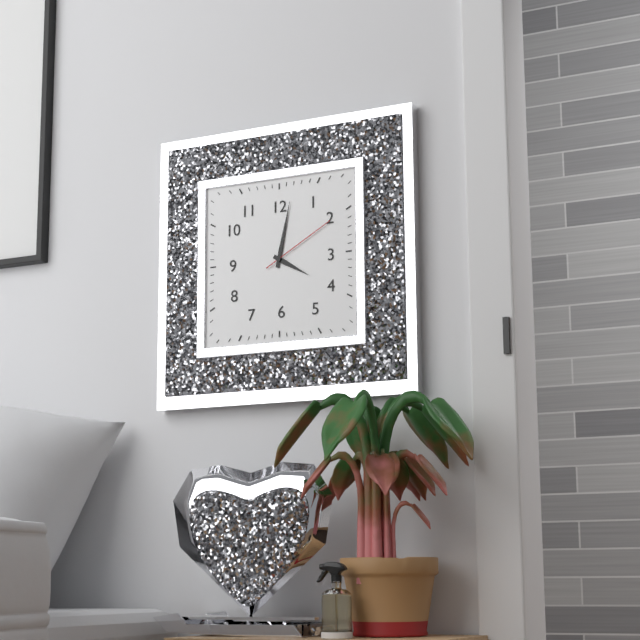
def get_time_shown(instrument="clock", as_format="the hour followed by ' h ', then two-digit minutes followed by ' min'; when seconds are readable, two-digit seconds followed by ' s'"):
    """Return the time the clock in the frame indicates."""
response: 4 h 02 min 10 s
